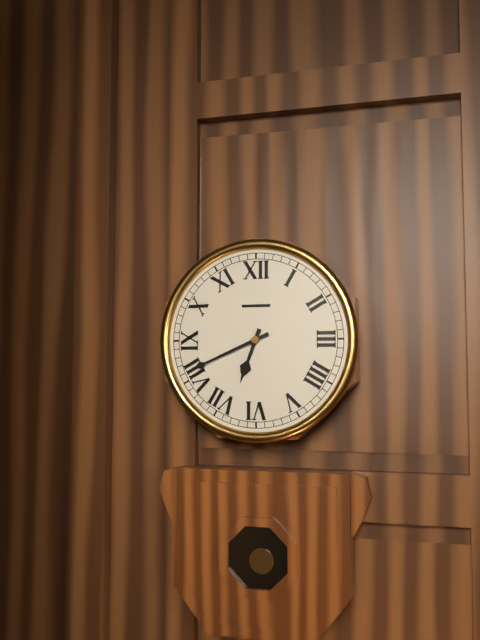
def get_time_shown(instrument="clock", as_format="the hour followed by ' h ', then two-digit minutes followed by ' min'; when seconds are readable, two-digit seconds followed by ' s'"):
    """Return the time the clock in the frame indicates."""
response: 6 h 41 min
